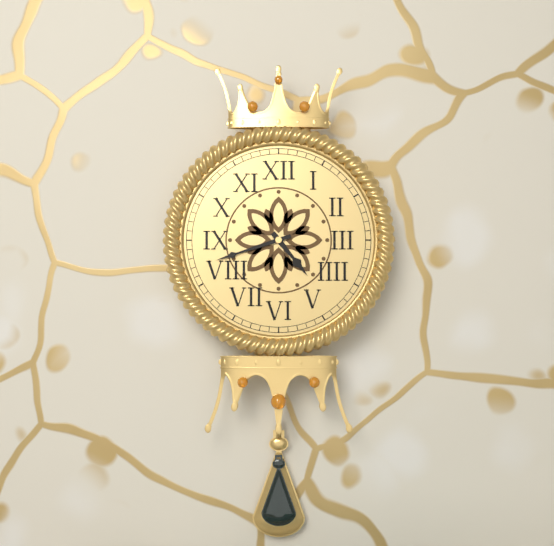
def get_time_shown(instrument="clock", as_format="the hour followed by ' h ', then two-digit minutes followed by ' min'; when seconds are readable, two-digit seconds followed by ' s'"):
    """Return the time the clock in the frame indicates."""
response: 4 h 42 min
